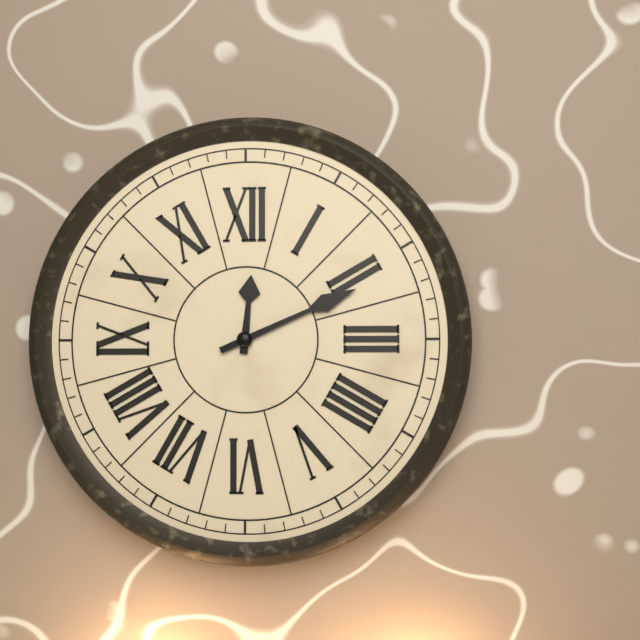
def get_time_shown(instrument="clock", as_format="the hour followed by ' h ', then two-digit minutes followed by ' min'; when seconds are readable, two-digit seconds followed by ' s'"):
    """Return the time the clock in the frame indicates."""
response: 12 h 11 min
